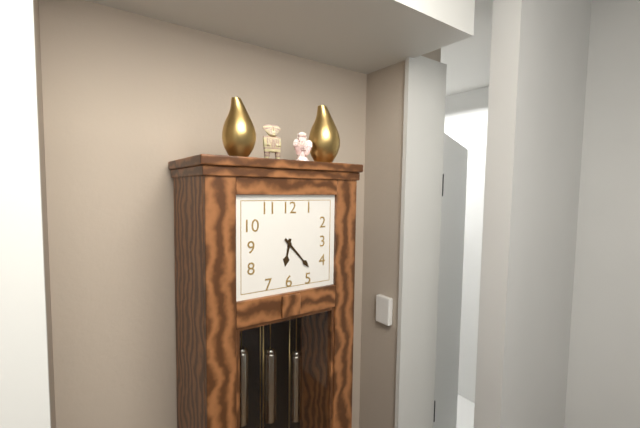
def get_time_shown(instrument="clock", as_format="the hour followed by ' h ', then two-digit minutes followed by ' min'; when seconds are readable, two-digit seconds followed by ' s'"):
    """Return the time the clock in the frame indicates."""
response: 6 h 23 min
